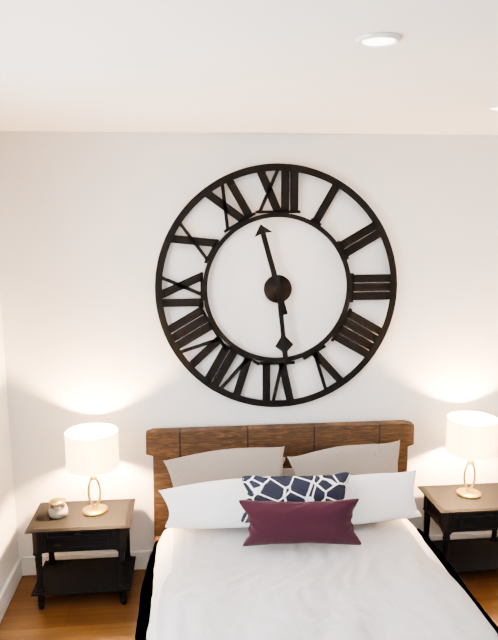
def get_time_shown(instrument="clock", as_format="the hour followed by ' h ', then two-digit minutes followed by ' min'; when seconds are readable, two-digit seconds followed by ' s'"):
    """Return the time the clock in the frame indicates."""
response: 11 h 29 min
